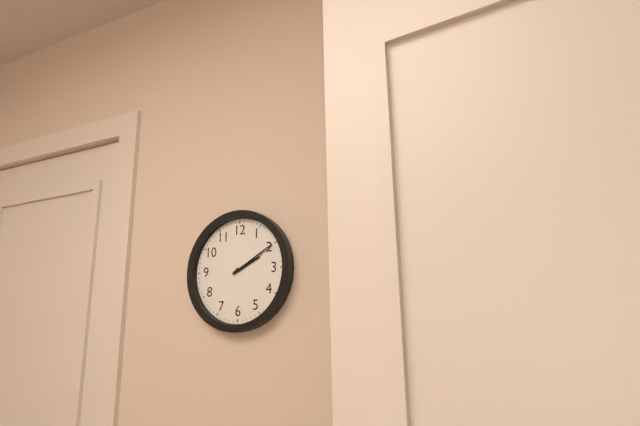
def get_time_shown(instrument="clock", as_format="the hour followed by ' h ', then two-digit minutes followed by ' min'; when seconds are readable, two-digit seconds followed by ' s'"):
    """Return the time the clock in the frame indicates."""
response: 2 h 10 min
